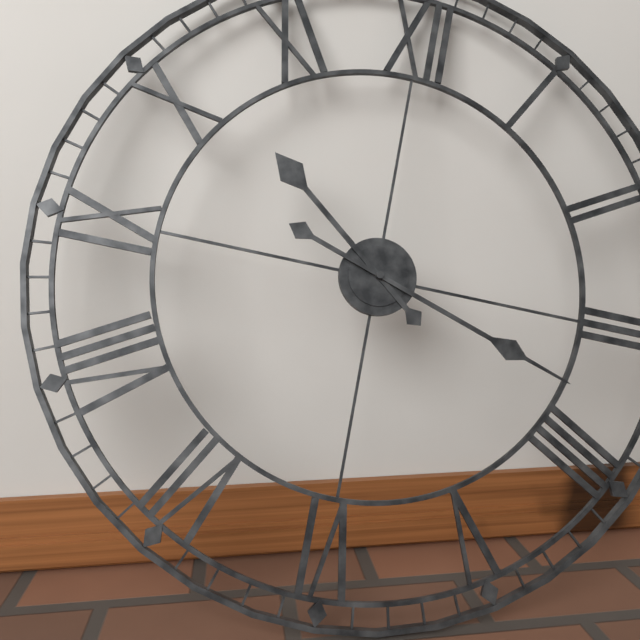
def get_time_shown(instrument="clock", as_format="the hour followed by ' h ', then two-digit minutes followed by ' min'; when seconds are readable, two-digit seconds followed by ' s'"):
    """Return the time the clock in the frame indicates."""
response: 10 h 18 min
